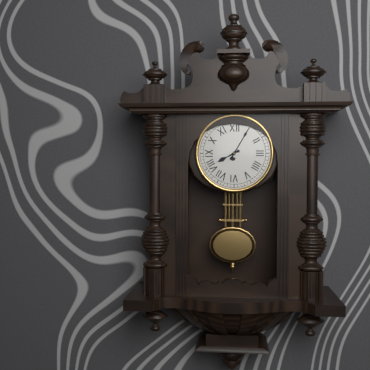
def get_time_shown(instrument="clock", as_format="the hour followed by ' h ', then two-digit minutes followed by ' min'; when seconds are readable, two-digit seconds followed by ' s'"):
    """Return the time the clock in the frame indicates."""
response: 8 h 05 min
